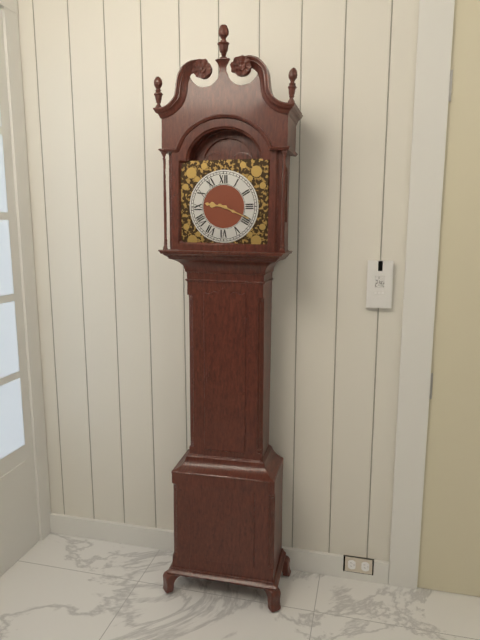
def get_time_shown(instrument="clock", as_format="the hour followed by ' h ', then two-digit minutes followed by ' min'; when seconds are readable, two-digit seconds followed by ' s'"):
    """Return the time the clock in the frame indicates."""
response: 9 h 19 min
